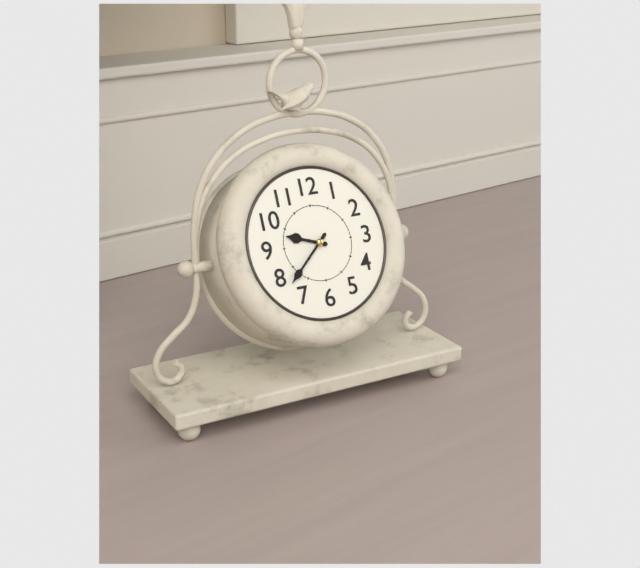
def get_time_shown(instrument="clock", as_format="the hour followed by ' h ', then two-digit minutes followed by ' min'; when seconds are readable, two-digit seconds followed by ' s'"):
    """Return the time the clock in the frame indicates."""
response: 9 h 38 min
